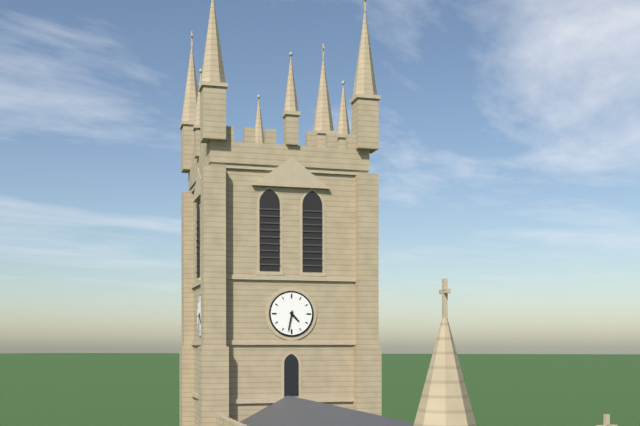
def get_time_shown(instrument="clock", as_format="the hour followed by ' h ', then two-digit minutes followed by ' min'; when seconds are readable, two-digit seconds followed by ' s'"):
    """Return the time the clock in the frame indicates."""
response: 4 h 32 min
